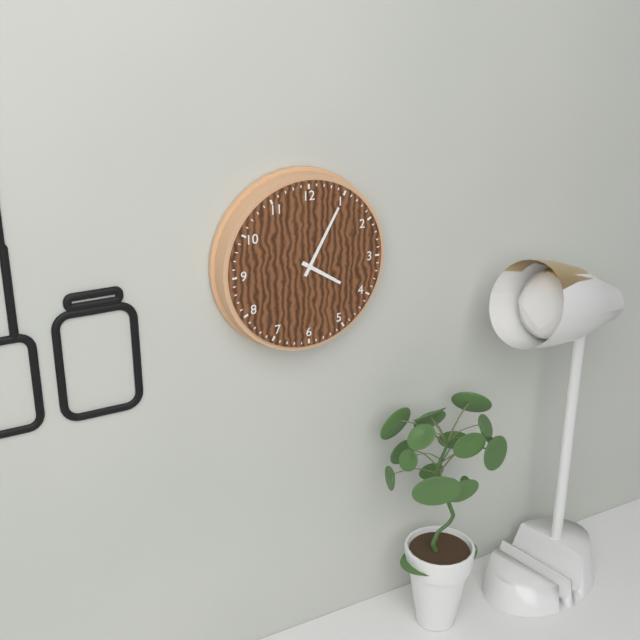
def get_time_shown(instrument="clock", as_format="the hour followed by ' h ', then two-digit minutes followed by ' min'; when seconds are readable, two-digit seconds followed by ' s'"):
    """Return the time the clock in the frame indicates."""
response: 4 h 05 min
